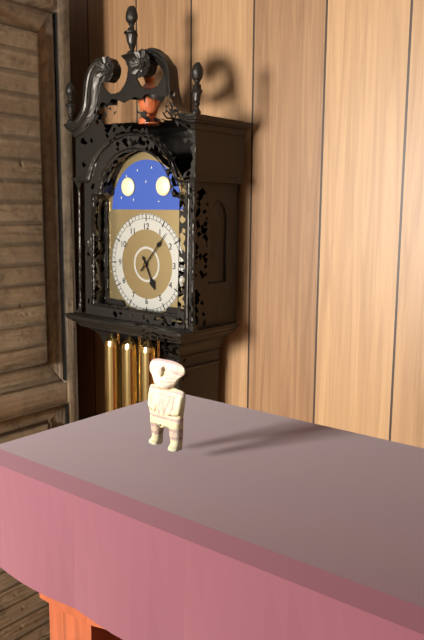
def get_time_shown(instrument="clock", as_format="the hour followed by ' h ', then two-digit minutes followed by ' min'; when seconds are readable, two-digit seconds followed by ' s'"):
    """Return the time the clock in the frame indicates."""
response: 5 h 07 min
